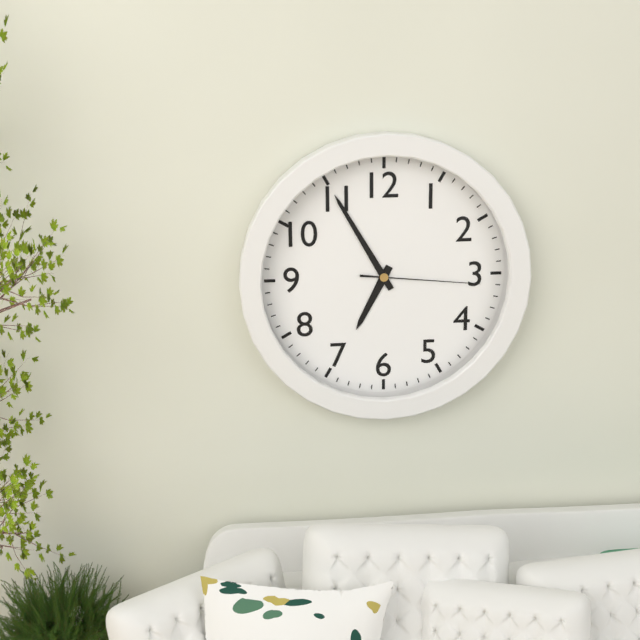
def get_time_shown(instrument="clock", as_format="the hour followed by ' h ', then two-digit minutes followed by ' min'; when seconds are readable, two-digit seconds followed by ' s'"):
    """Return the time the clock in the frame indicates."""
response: 6 h 55 min 16 s
